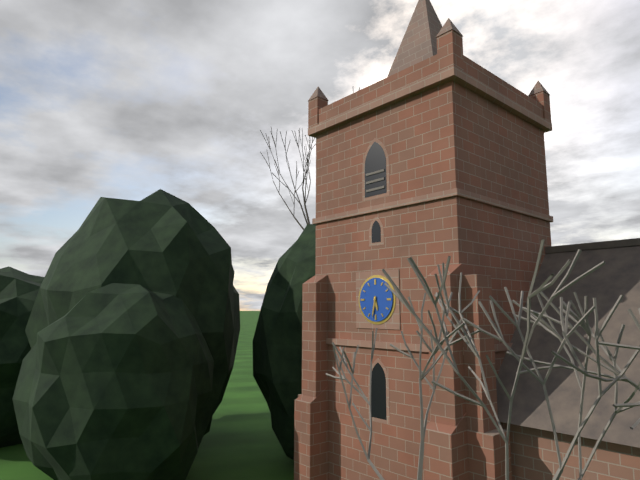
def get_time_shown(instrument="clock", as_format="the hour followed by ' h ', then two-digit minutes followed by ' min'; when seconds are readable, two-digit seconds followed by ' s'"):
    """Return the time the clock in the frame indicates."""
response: 5 h 32 min
